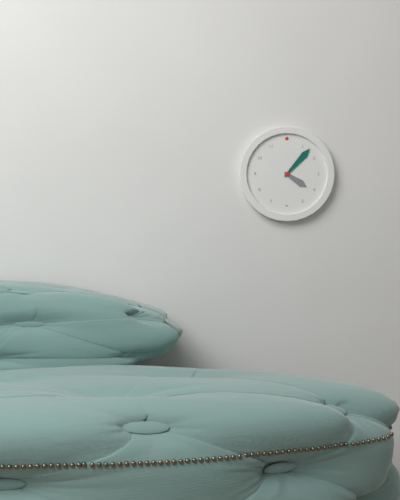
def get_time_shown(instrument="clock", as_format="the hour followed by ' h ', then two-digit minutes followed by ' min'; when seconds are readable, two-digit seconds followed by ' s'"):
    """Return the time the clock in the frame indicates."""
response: 4 h 07 min
